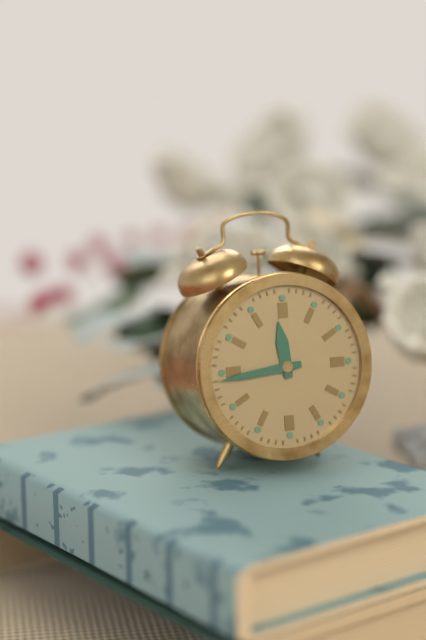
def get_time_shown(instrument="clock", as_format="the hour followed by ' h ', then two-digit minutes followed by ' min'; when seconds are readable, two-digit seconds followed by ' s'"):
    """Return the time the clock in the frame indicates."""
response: 11 h 44 min
